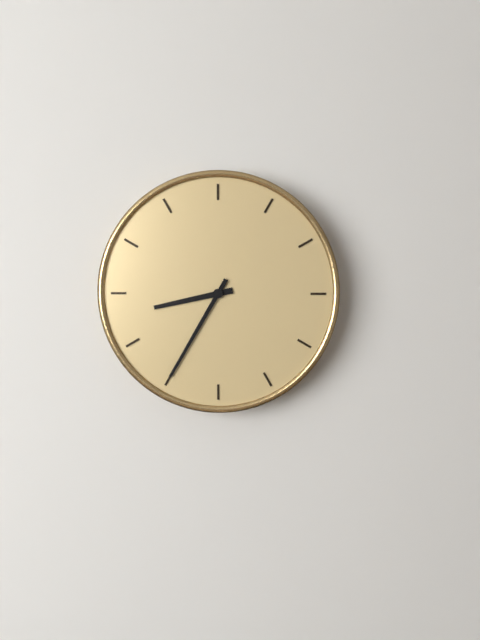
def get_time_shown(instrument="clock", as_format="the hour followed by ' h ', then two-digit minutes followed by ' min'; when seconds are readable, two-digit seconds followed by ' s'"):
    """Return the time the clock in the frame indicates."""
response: 8 h 35 min
